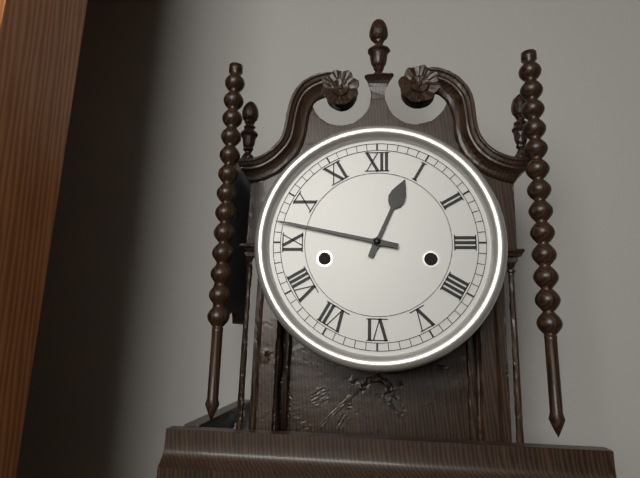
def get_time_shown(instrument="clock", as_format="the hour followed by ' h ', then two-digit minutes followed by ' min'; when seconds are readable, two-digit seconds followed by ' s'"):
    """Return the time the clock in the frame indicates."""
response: 12 h 47 min
